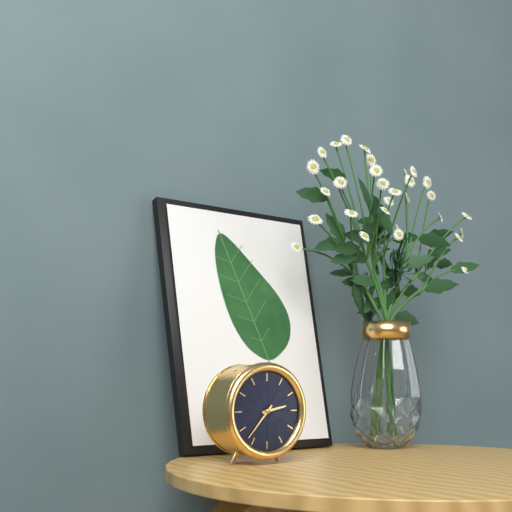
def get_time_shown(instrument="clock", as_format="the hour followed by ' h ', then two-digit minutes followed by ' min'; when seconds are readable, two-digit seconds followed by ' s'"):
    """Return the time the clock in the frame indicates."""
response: 2 h 37 min
